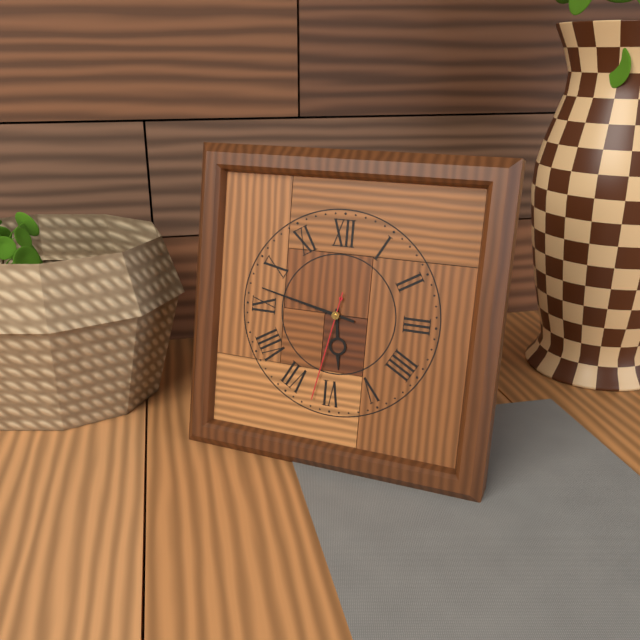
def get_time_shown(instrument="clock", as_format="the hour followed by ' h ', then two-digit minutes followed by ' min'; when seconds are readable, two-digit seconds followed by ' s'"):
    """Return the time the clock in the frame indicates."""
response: 5 h 47 min 32 s
